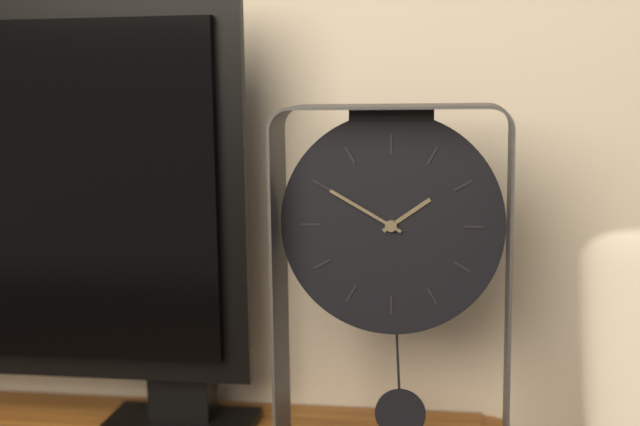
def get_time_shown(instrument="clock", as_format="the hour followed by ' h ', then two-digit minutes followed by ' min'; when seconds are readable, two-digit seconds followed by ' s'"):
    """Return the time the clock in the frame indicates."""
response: 1 h 50 min
